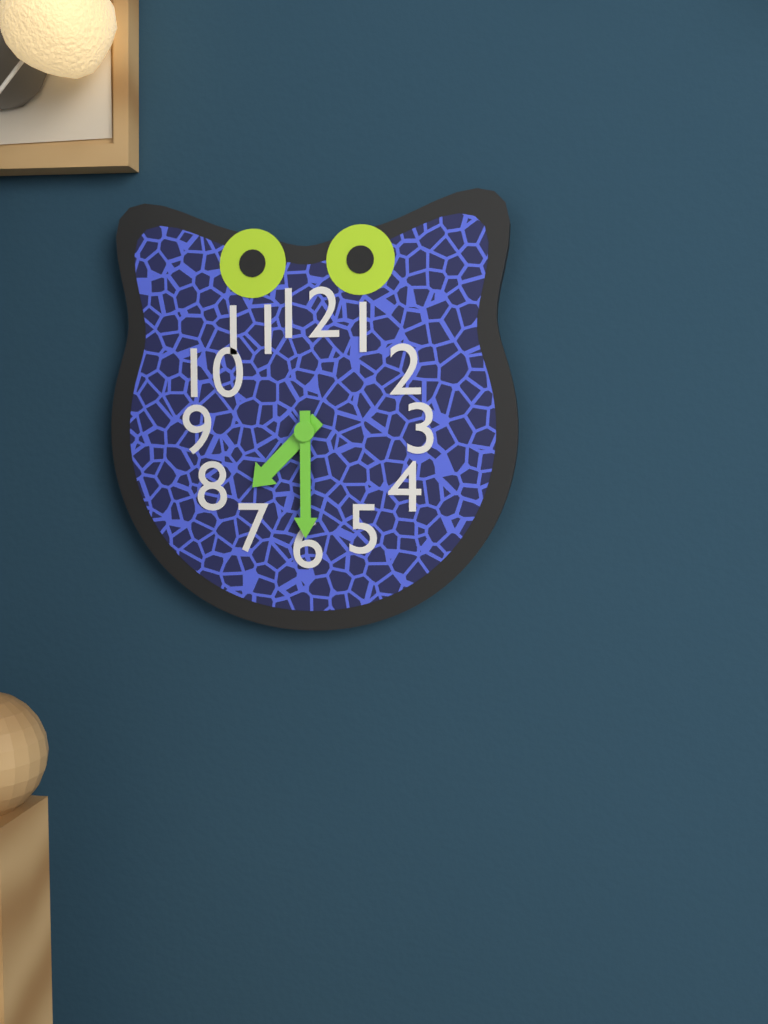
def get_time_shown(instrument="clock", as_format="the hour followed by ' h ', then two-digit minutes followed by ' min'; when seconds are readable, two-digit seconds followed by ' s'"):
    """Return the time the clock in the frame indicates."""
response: 7 h 30 min
